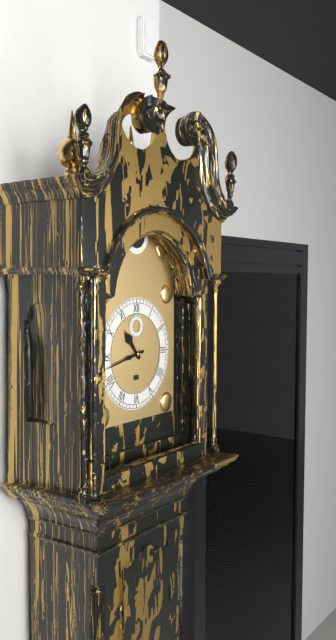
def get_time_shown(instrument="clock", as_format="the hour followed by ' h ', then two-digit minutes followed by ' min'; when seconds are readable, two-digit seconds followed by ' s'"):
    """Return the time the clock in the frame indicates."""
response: 10 h 43 min
